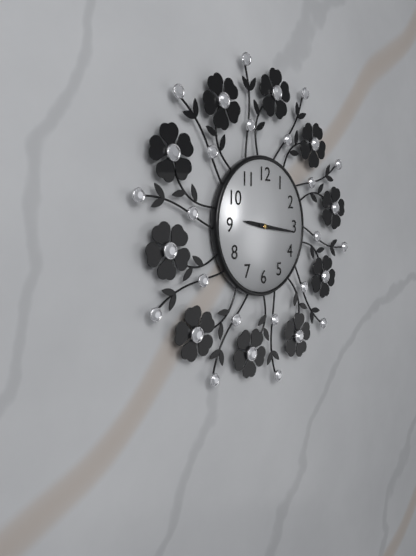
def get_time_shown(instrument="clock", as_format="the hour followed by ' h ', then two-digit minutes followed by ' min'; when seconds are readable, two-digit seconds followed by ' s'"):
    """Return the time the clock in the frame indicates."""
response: 9 h 16 min
